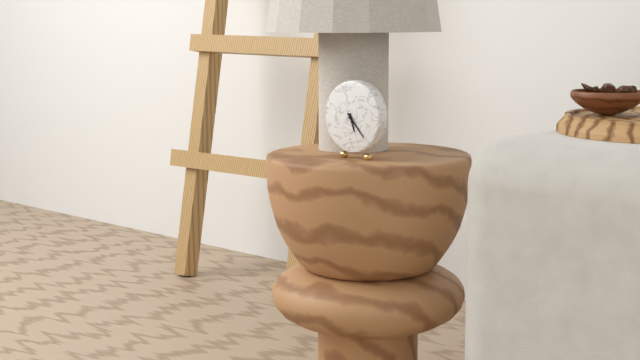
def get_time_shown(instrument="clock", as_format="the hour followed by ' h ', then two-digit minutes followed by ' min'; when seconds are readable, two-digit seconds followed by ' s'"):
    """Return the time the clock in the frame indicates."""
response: 5 h 23 min
